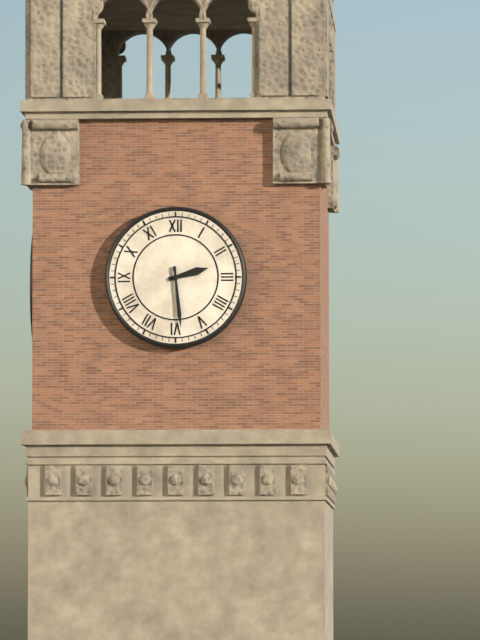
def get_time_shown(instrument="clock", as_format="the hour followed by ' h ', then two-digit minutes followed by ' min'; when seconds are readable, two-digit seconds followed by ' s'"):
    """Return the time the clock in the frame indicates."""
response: 2 h 29 min
